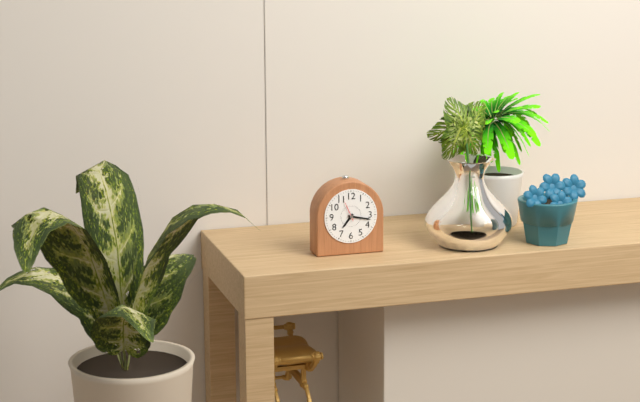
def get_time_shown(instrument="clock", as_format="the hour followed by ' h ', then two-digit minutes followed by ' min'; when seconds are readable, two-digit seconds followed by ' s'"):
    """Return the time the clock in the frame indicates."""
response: 7 h 17 min
